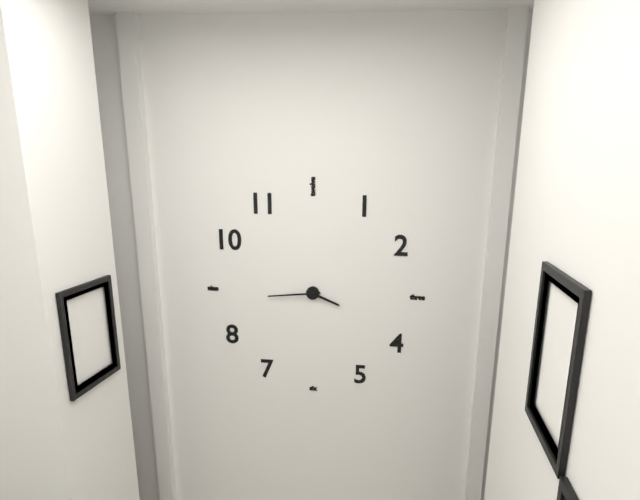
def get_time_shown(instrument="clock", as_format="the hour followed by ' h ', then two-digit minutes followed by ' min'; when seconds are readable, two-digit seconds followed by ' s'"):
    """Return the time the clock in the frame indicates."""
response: 3 h 44 min
